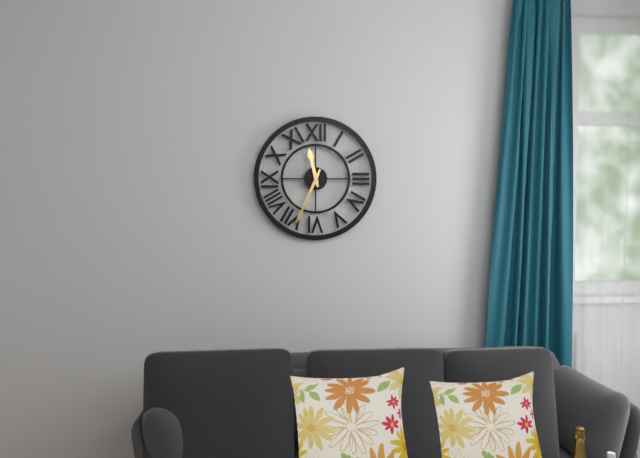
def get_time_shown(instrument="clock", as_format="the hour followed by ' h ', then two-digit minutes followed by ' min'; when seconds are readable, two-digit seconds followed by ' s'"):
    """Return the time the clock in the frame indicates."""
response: 11 h 34 min
